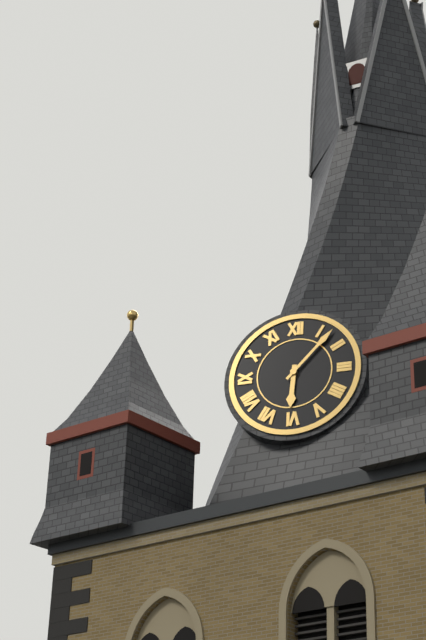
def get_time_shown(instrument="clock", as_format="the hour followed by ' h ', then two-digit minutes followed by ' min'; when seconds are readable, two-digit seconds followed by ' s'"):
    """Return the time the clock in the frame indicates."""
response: 6 h 07 min
